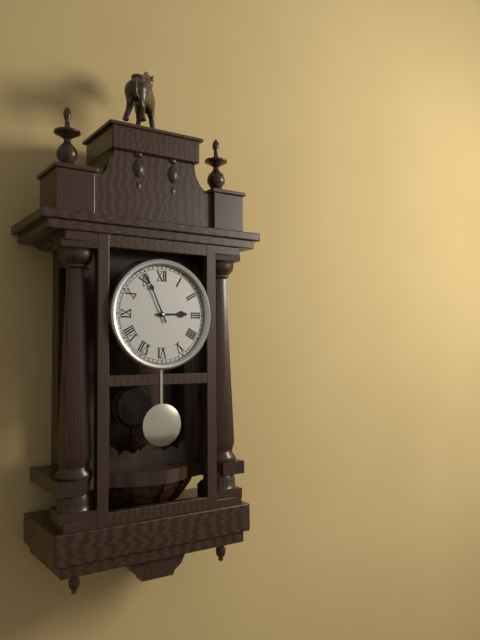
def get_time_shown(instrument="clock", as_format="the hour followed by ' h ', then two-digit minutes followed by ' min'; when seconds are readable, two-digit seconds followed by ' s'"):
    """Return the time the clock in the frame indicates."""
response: 2 h 56 min
